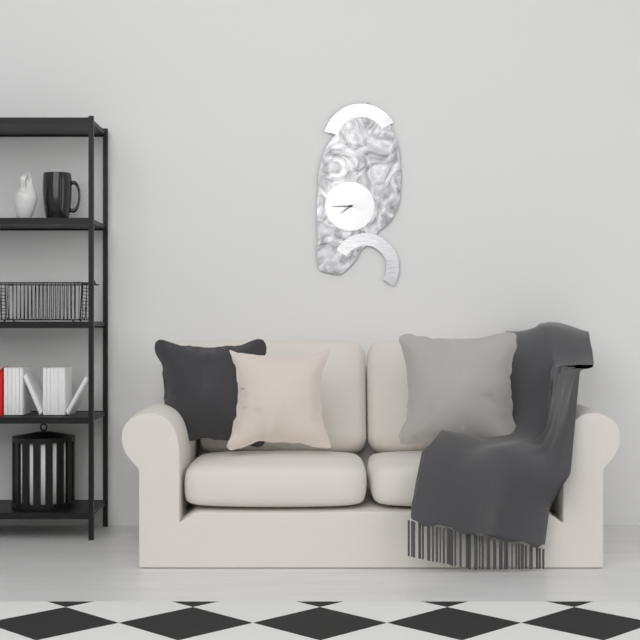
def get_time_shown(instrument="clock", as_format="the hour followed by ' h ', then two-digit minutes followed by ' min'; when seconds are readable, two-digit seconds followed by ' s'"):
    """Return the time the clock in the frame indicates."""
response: 7 h 45 min
